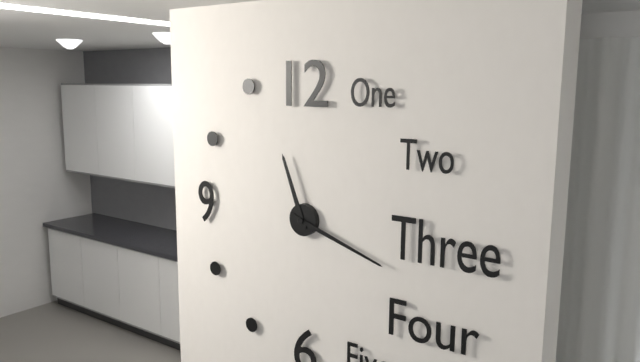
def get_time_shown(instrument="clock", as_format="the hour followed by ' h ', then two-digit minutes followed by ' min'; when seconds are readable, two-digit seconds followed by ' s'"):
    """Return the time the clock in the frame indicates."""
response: 11 h 18 min
